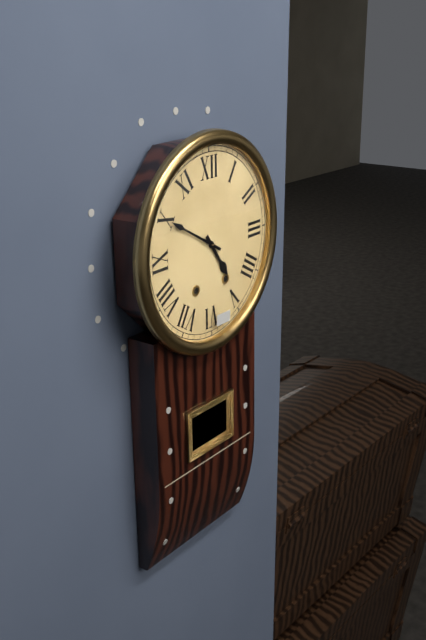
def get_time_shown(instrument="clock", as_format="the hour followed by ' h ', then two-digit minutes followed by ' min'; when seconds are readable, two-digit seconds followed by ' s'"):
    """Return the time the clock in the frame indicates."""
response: 4 h 50 min
